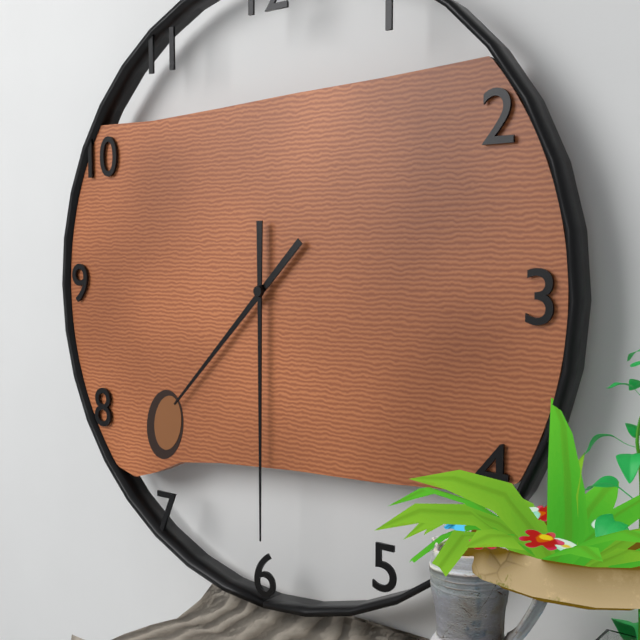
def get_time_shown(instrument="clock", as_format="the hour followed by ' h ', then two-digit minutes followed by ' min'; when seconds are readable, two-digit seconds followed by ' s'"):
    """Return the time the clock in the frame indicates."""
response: 7 h 30 min
